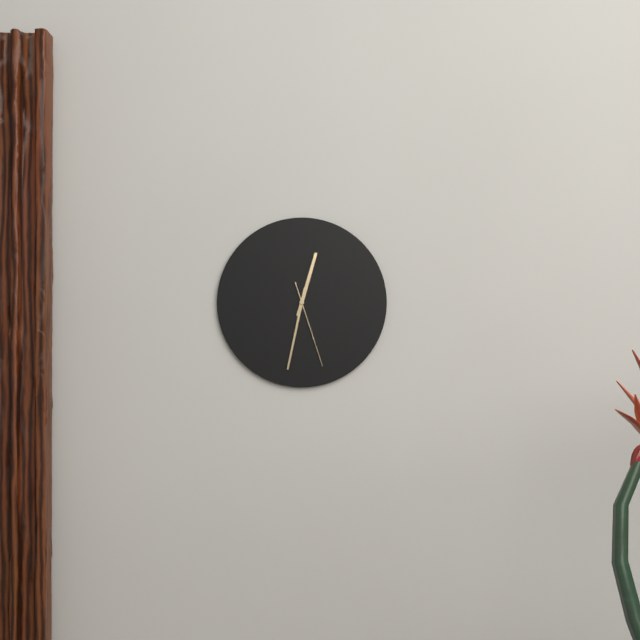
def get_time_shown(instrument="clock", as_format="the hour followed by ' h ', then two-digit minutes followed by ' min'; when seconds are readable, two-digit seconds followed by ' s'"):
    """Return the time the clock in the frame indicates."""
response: 12 h 32 min 27 s
